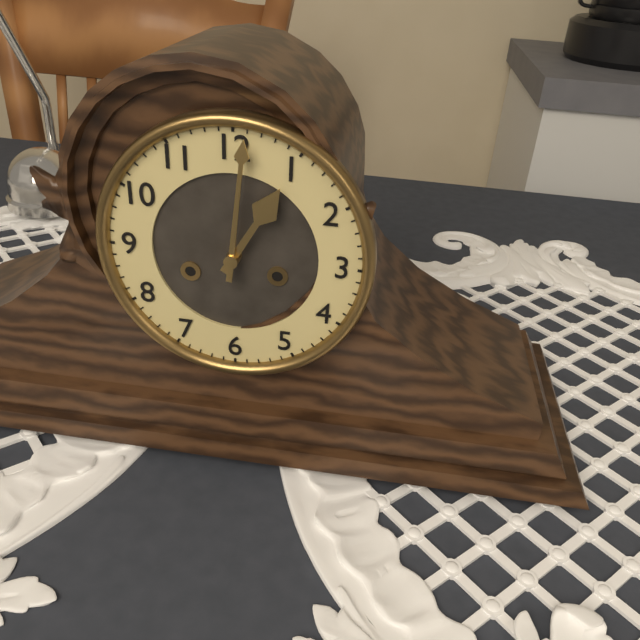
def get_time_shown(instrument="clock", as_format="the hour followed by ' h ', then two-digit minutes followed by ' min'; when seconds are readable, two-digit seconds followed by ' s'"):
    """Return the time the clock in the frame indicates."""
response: 1 h 01 min
